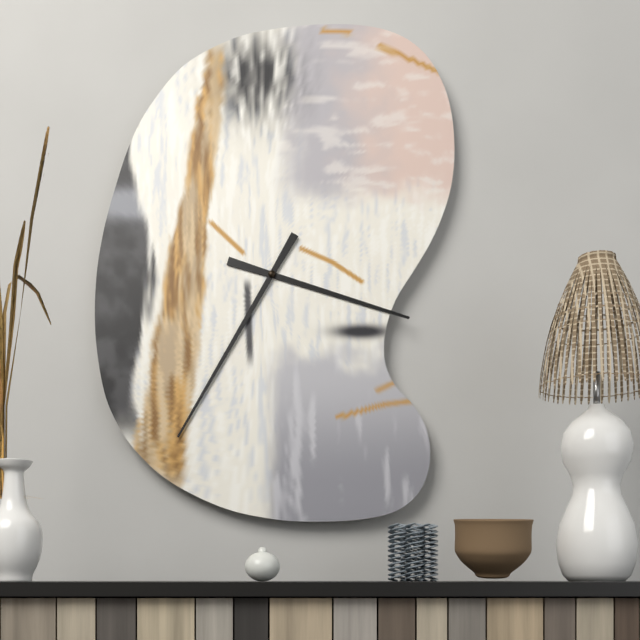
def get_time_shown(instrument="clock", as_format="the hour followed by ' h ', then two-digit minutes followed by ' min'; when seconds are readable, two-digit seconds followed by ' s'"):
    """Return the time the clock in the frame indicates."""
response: 3 h 35 min
